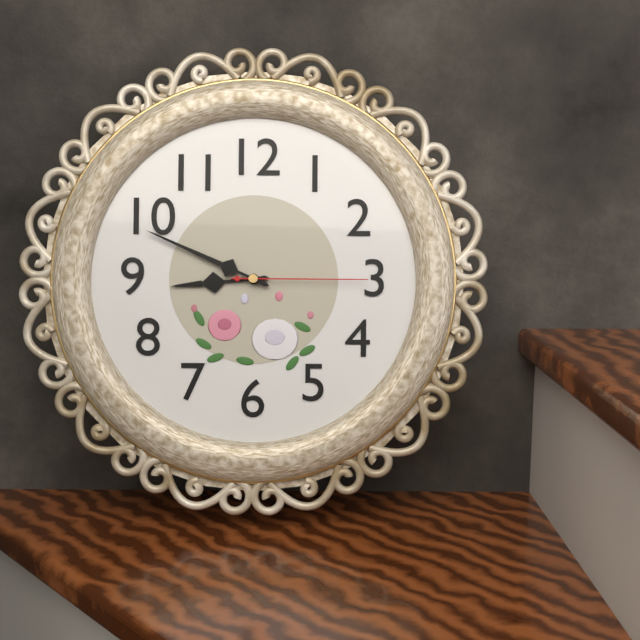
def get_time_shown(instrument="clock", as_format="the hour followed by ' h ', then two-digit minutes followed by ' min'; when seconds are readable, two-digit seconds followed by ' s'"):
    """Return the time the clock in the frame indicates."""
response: 8 h 49 min 15 s
